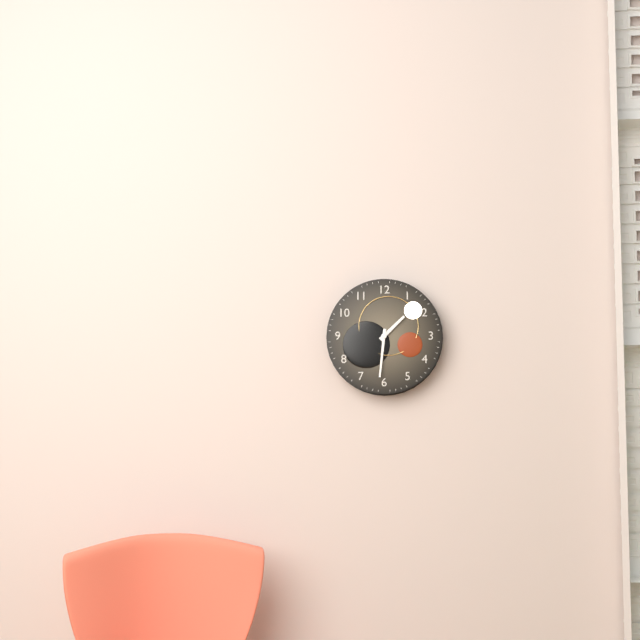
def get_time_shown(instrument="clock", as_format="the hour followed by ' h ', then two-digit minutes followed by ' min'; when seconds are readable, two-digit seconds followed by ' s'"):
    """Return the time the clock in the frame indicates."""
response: 1 h 31 min
